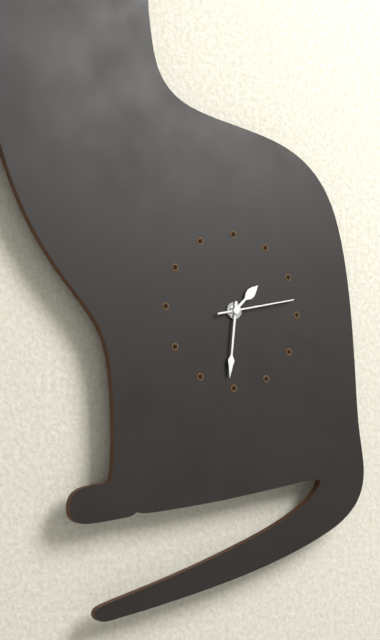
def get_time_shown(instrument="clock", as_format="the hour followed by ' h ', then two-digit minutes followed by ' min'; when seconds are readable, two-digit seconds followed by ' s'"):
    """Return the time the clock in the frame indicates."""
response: 1 h 31 min 13 s
